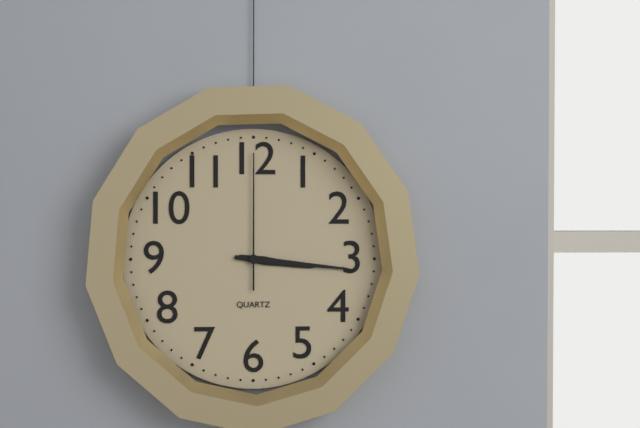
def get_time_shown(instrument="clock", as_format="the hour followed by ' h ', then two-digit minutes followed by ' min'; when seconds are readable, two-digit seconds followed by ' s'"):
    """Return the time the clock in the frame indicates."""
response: 3 h 16 min 00 s
